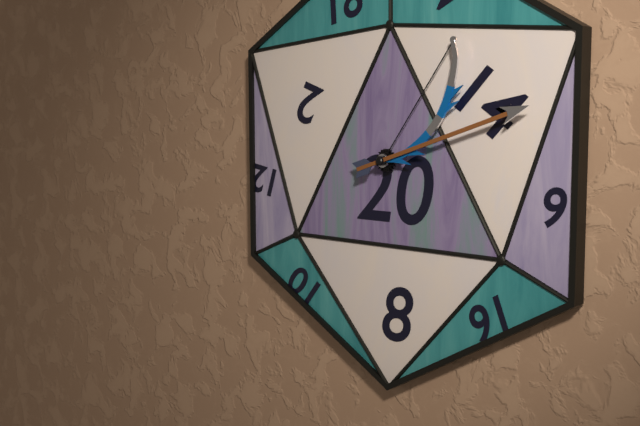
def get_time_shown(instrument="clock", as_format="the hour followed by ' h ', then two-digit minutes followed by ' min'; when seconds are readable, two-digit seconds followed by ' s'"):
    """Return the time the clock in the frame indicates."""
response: 1 h 12 min
